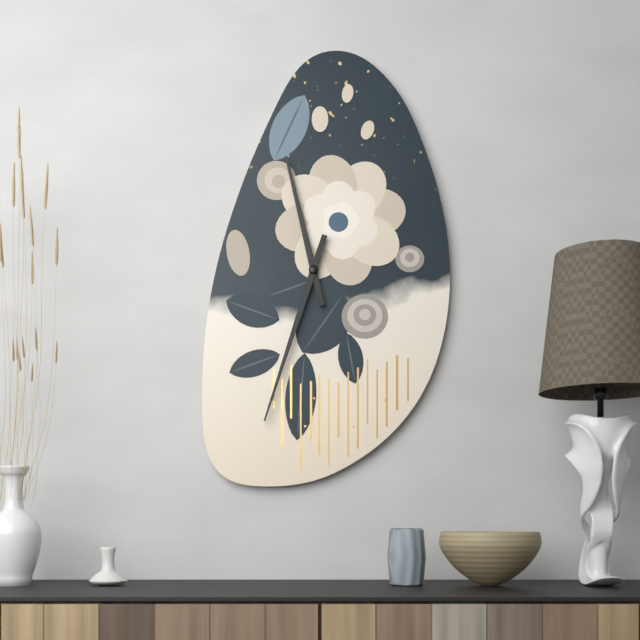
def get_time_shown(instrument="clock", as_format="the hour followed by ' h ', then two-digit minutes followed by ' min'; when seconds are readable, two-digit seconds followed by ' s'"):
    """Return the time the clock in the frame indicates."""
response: 11 h 33 min
